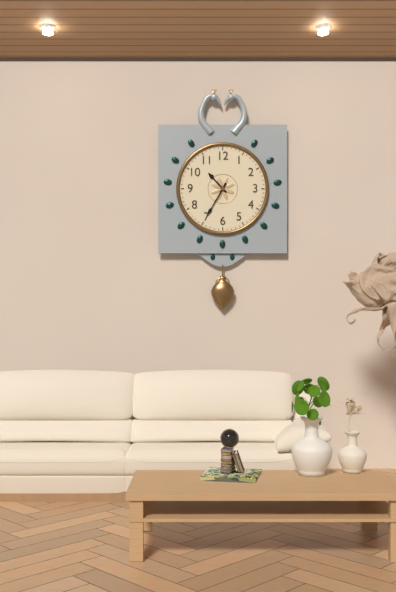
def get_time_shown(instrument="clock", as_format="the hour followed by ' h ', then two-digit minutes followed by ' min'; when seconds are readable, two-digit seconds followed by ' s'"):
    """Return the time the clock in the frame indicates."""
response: 10 h 35 min
